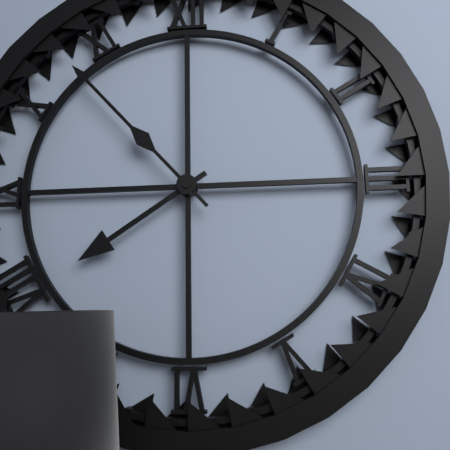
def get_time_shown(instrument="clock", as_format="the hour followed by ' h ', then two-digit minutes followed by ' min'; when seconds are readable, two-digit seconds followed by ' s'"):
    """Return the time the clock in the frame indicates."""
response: 7 h 53 min
